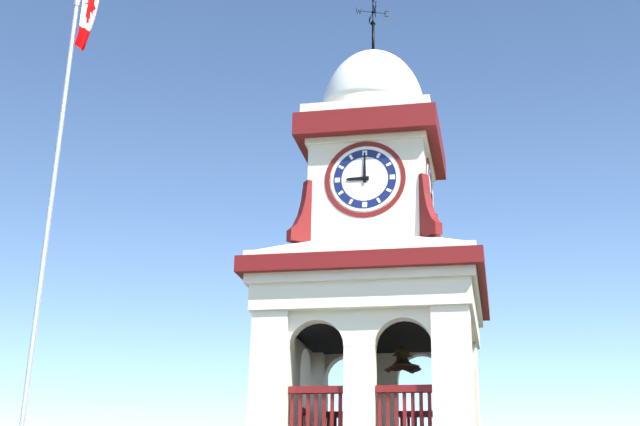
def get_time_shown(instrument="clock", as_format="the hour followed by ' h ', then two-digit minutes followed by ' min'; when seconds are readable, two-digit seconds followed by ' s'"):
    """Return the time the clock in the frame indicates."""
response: 9 h 00 min
